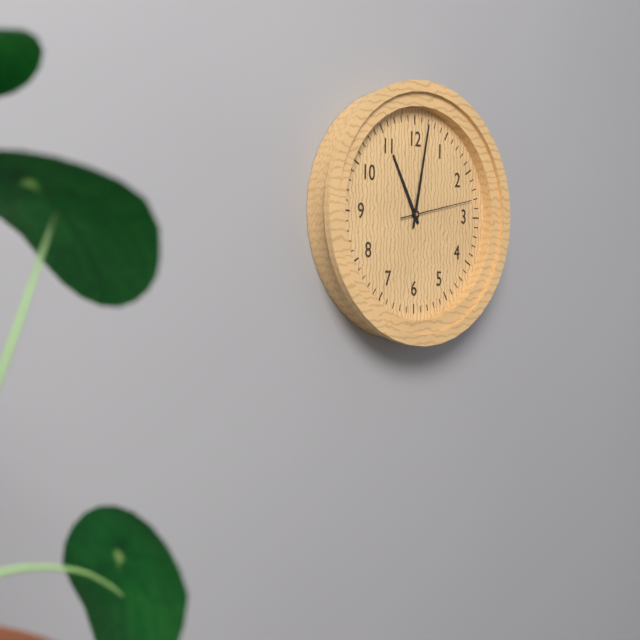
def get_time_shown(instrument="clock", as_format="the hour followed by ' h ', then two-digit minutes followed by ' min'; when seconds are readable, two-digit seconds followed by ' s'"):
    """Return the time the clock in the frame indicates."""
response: 11 h 02 min 13 s
